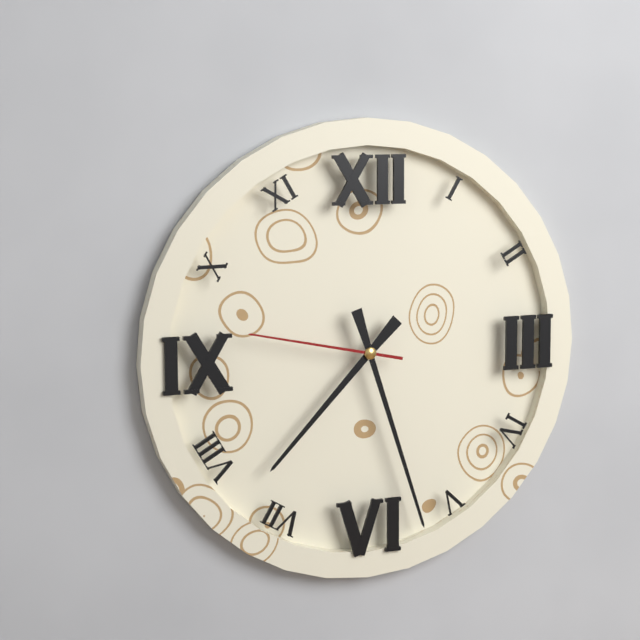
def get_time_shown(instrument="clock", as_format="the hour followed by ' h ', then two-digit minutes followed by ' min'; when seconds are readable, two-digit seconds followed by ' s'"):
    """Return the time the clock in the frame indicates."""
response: 7 h 27 min 47 s
